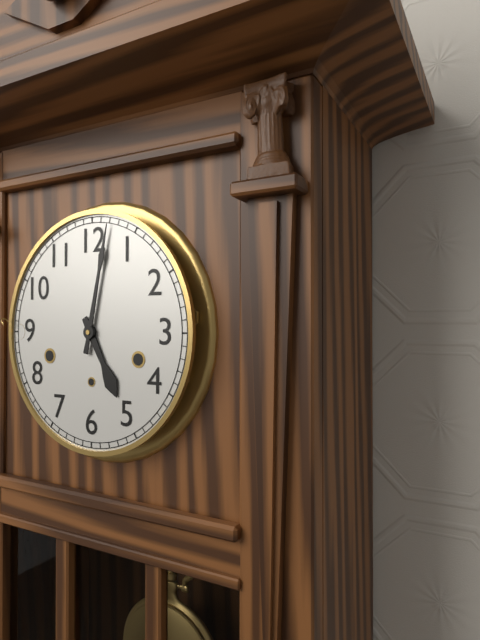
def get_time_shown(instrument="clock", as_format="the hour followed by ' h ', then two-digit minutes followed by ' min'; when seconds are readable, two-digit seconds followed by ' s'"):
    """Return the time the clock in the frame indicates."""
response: 5 h 02 min
